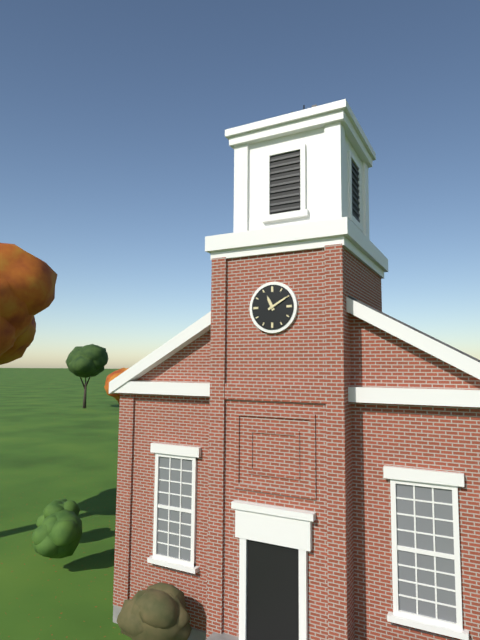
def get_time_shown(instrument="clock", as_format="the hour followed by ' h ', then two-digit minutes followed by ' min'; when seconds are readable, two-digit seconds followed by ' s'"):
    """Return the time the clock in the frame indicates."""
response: 11 h 10 min
